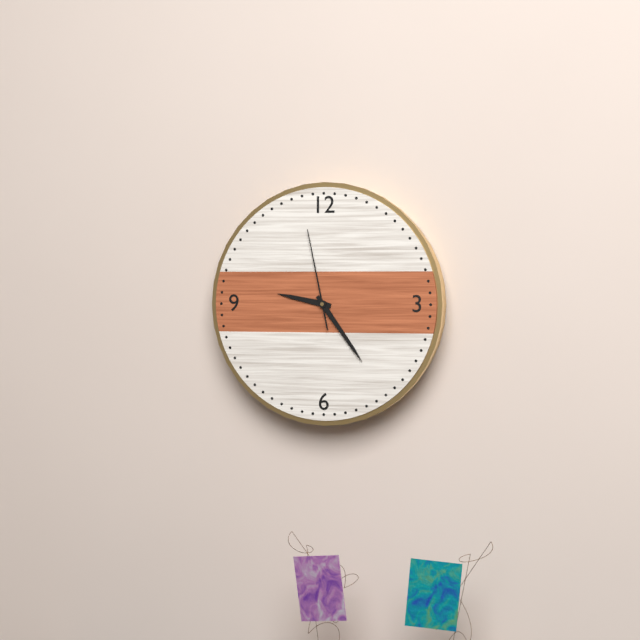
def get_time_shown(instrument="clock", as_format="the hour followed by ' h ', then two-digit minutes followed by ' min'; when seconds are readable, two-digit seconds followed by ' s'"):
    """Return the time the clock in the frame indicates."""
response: 9 h 24 min 58 s
